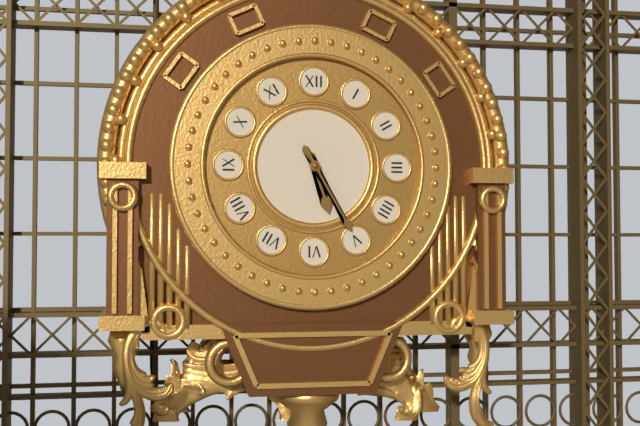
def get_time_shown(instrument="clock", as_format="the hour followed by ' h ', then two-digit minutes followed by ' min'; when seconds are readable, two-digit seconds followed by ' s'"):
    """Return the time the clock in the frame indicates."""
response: 5 h 25 min
